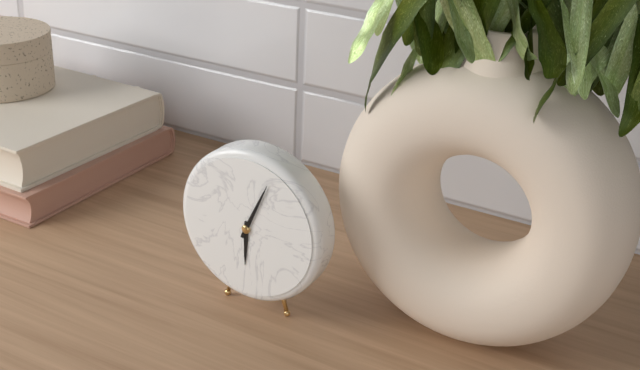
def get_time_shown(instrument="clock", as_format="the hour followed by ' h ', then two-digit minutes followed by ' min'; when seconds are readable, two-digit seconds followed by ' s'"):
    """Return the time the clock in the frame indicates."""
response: 6 h 04 min
